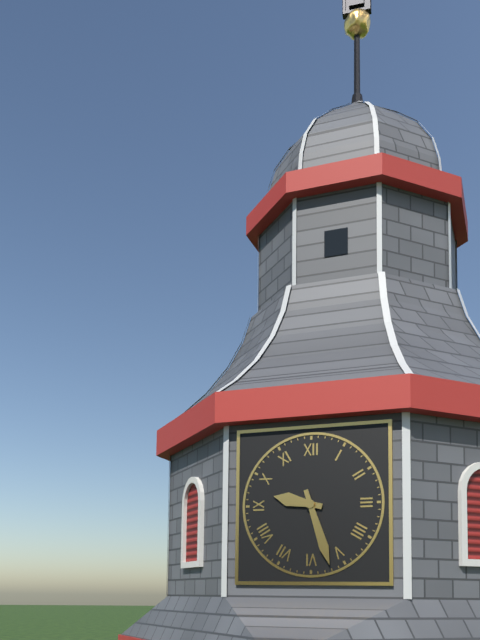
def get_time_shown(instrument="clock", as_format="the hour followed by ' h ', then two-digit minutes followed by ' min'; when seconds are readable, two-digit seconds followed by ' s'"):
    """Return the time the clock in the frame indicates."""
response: 9 h 27 min
